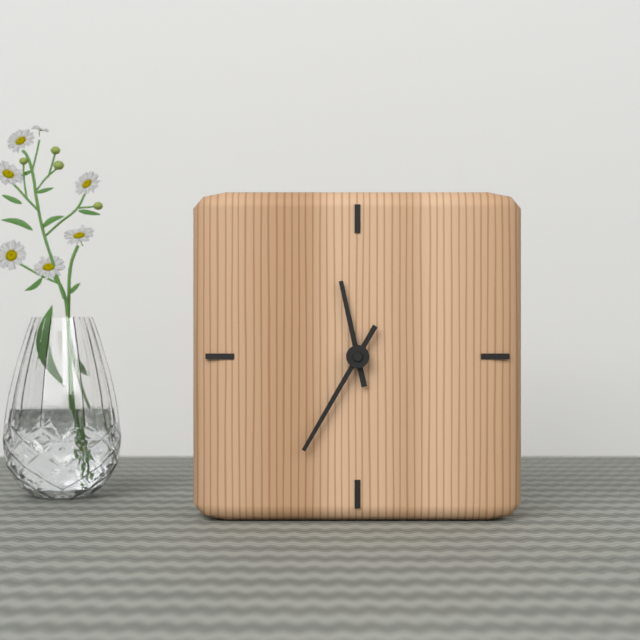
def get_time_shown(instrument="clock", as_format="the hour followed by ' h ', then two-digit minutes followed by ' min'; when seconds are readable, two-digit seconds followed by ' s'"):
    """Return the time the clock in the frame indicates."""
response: 11 h 35 min
